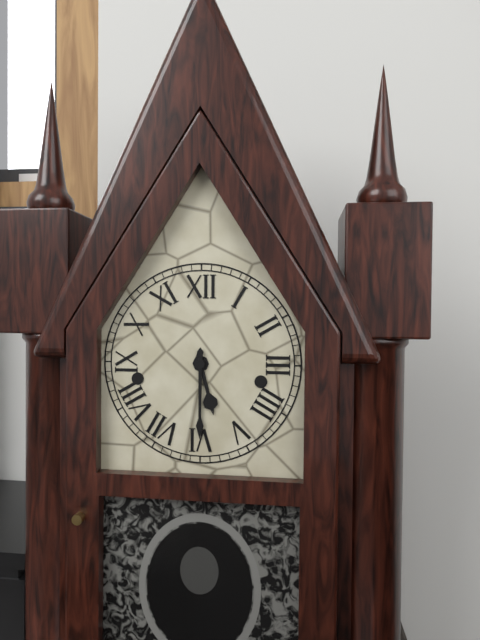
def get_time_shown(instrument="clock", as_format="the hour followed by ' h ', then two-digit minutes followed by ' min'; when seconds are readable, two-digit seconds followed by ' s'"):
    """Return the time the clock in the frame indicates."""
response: 5 h 30 min
